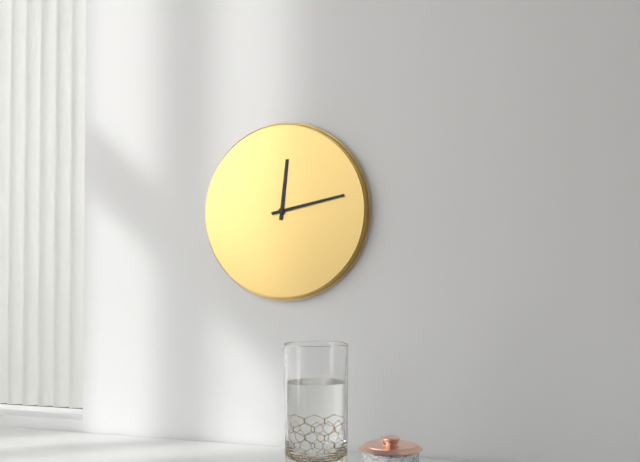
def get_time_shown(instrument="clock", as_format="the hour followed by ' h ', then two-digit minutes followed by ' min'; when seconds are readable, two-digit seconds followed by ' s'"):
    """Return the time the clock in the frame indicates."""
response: 12 h 13 min
